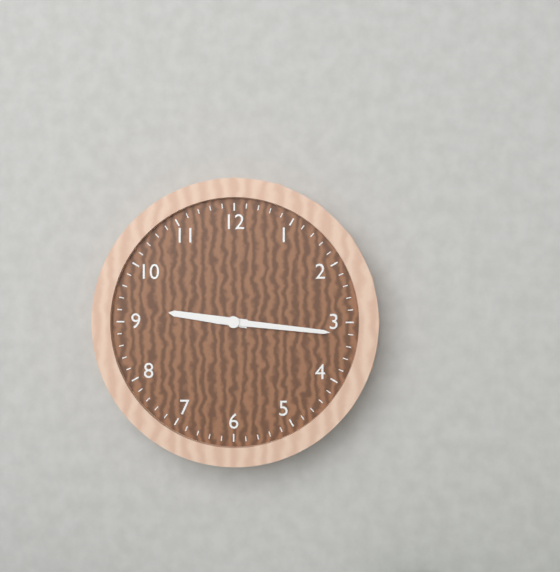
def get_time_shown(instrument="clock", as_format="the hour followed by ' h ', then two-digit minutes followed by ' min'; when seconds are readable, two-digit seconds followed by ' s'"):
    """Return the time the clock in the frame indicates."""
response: 9 h 16 min
